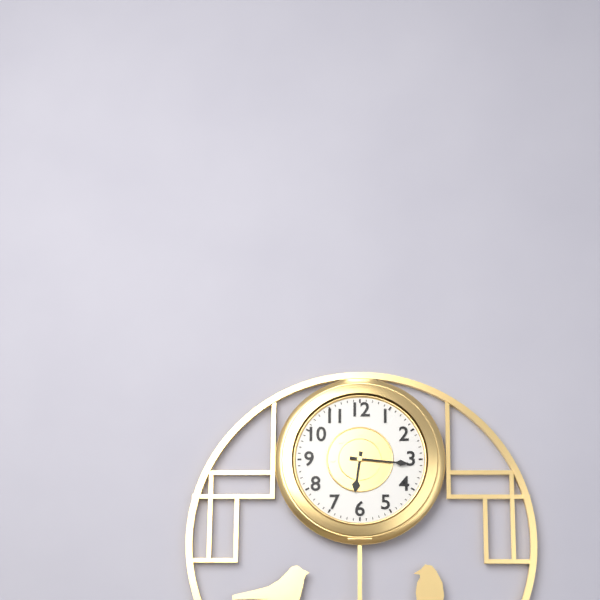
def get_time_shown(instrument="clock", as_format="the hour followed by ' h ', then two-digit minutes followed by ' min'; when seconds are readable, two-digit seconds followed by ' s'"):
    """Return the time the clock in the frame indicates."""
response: 6 h 16 min
